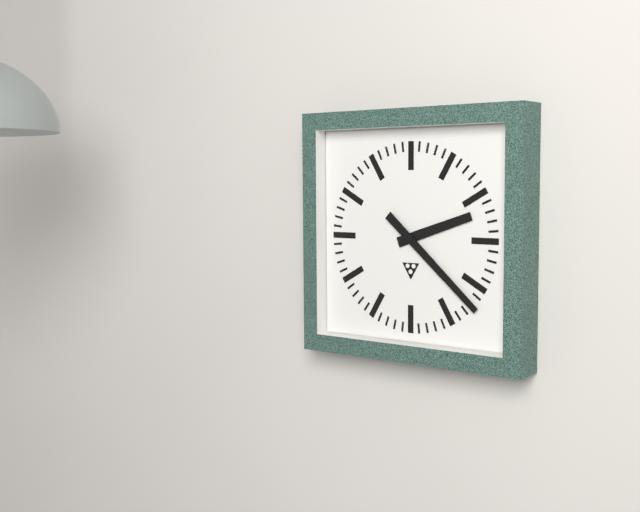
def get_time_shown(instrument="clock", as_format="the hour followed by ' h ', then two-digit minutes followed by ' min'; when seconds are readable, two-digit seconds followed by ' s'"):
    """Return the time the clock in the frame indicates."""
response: 2 h 22 min
